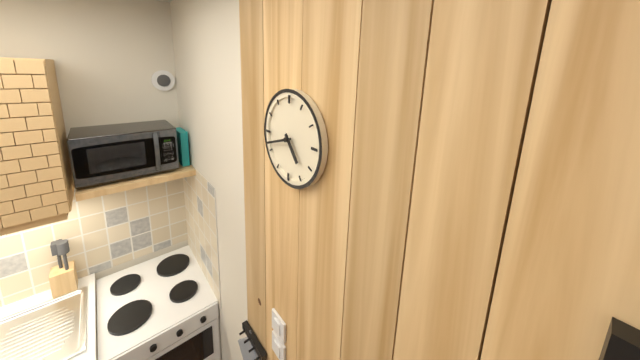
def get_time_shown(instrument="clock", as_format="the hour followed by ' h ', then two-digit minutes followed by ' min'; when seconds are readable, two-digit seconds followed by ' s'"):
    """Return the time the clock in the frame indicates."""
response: 4 h 42 min
